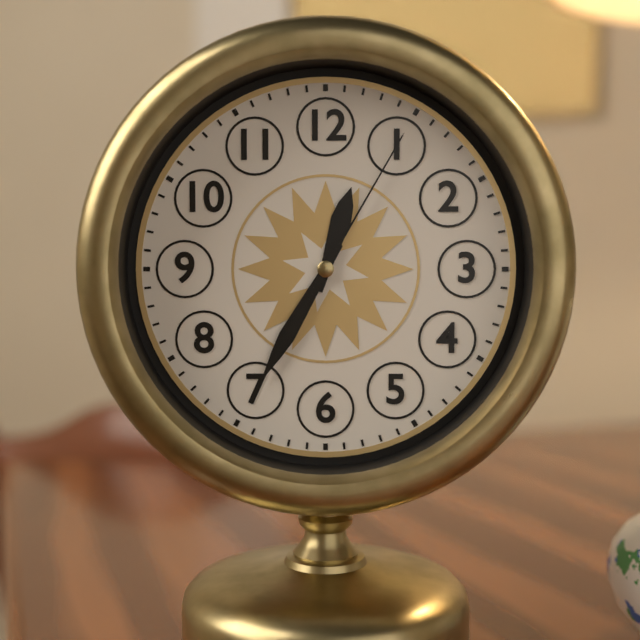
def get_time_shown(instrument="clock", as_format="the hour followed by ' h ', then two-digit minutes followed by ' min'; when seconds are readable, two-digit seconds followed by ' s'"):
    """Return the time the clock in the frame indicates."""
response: 12 h 35 min 05 s
